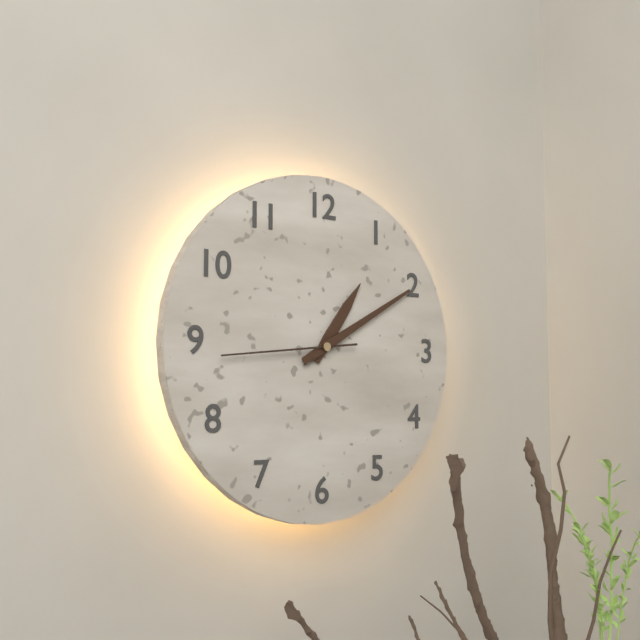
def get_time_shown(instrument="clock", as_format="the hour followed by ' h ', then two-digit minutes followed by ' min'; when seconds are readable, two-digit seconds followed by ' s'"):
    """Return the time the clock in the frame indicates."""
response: 1 h 10 min 44 s
